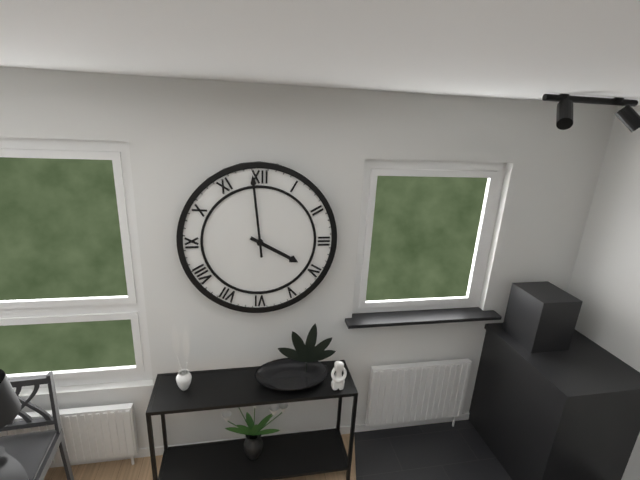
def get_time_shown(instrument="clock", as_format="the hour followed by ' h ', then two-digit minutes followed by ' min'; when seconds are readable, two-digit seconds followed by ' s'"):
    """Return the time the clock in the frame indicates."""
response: 3 h 59 min
